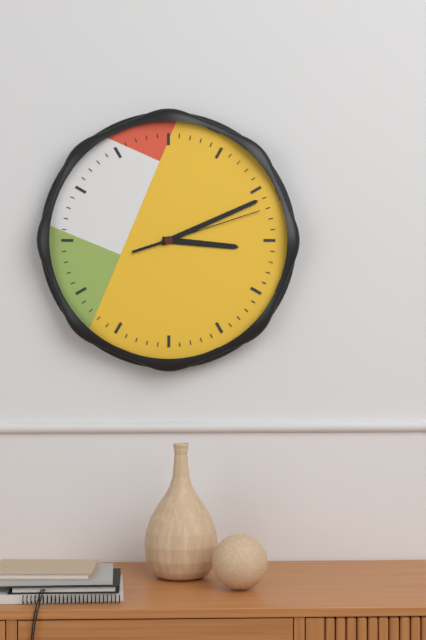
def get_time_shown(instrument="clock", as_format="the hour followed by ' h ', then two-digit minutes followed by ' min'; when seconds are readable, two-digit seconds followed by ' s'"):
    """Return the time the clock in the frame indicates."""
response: 3 h 11 min 12 s
